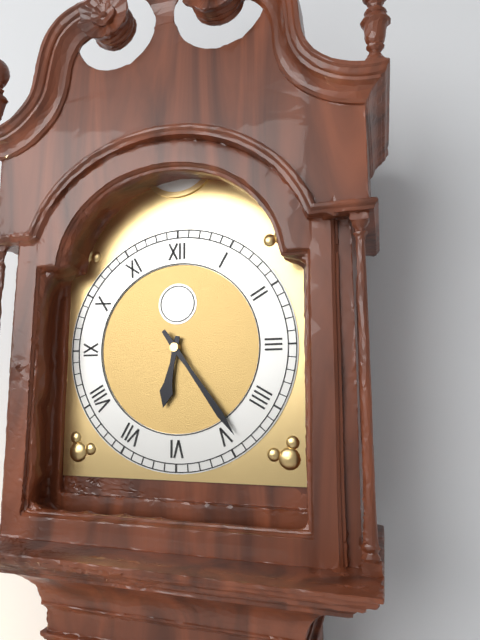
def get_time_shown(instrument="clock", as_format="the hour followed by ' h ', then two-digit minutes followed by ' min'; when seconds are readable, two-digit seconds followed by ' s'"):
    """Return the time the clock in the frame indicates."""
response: 6 h 24 min
